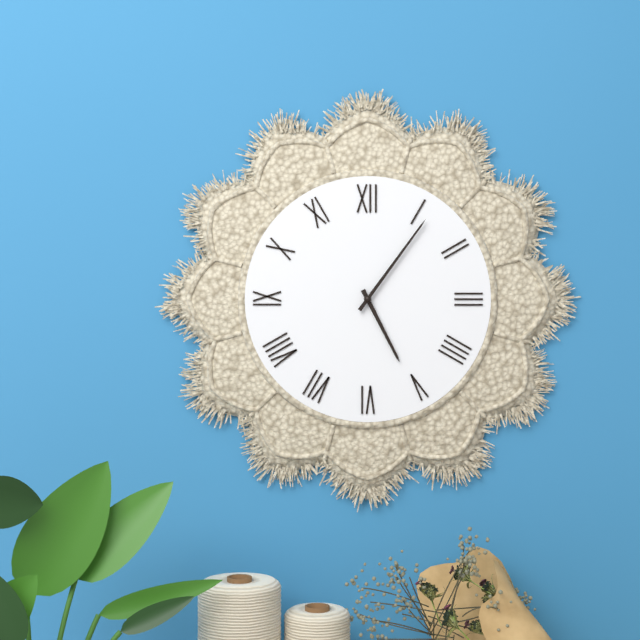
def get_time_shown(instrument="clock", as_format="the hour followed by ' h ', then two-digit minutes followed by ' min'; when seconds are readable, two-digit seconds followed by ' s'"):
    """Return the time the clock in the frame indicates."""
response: 5 h 06 min
